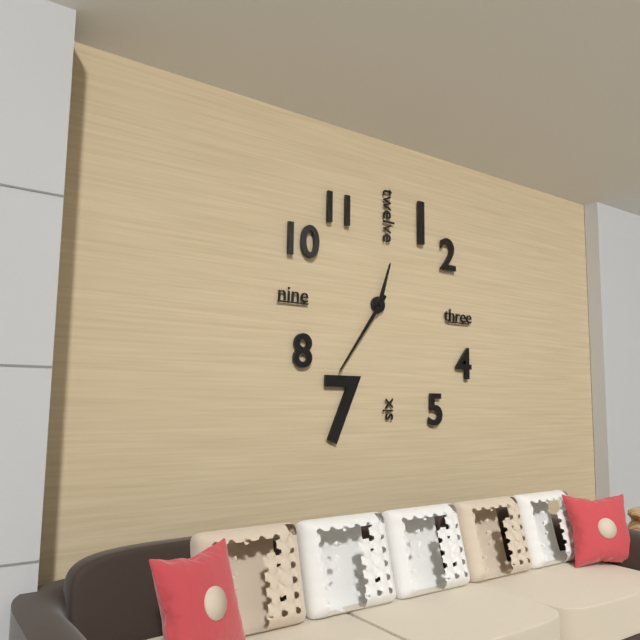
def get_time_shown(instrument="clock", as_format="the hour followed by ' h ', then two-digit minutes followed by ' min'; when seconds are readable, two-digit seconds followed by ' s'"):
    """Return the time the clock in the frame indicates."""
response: 12 h 36 min
